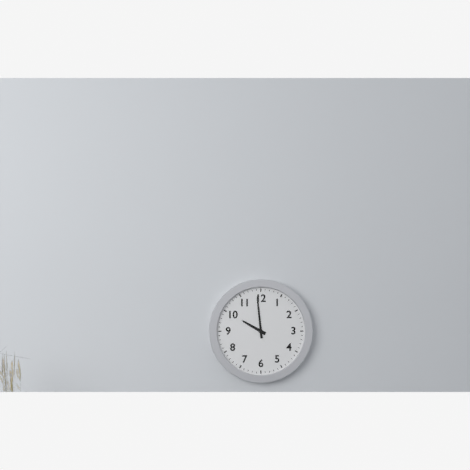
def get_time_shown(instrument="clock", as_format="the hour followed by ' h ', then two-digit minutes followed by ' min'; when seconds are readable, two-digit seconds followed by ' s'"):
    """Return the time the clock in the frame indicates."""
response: 9 h 59 min
